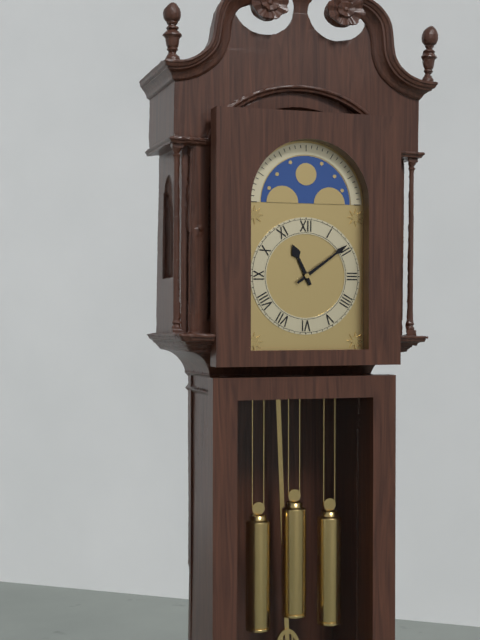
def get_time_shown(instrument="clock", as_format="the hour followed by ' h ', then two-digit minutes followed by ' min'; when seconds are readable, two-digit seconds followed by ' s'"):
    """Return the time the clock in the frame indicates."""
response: 11 h 09 min
